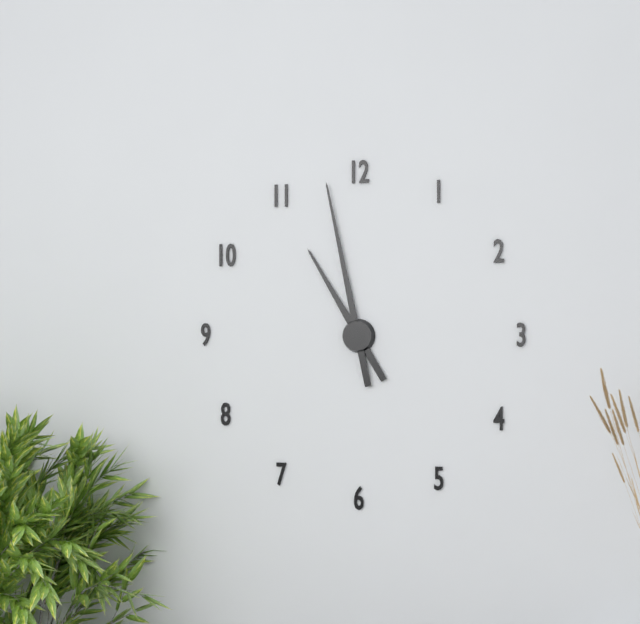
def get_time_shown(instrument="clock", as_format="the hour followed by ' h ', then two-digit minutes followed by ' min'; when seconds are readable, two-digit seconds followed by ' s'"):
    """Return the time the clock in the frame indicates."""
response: 10 h 58 min
